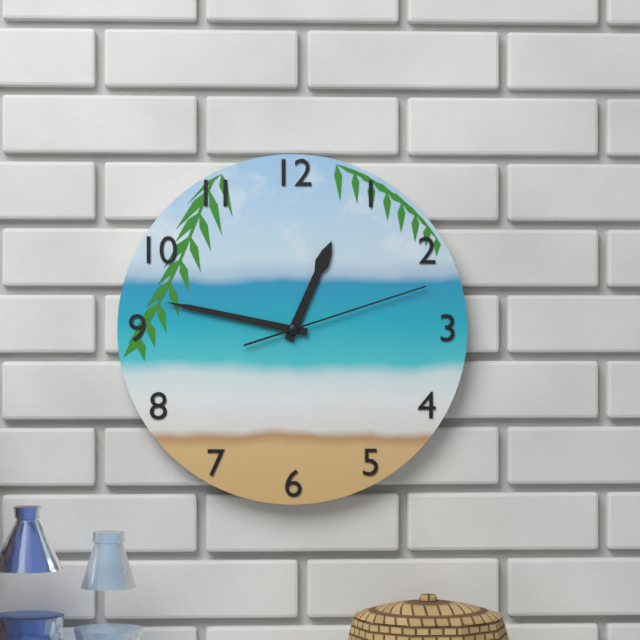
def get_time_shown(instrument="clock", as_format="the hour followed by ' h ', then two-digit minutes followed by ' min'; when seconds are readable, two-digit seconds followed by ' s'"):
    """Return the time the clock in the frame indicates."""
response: 12 h 47 min 12 s
